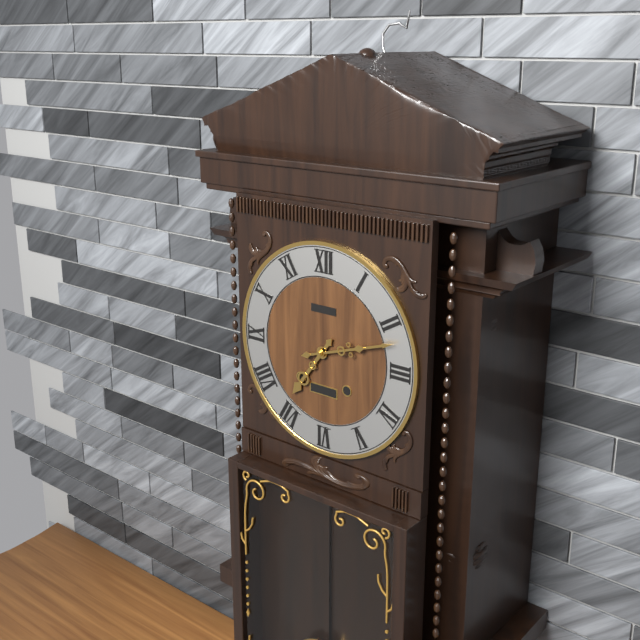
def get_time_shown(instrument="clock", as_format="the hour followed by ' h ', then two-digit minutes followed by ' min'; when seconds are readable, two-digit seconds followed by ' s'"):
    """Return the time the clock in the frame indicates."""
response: 7 h 12 min
